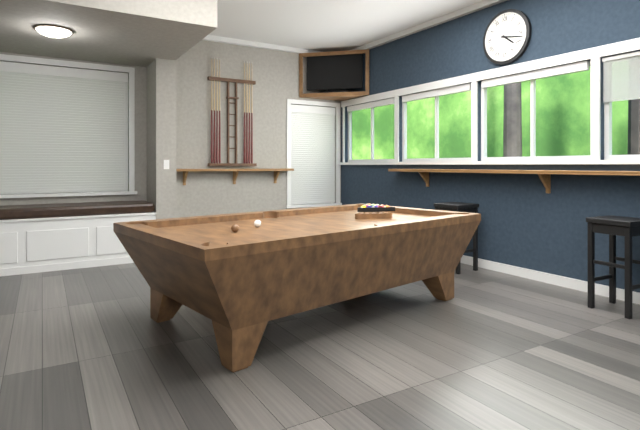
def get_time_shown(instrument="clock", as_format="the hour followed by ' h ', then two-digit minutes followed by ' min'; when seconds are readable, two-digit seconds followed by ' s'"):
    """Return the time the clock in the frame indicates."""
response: 4 h 17 min
